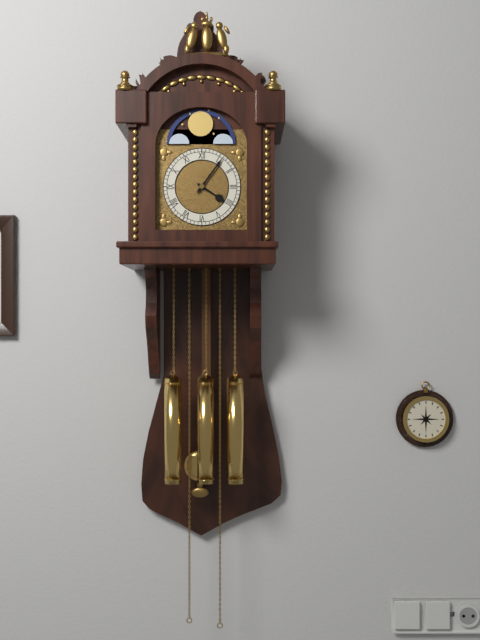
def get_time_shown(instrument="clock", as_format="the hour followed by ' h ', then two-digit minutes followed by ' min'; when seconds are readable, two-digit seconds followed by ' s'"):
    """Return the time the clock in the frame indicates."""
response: 4 h 06 min
